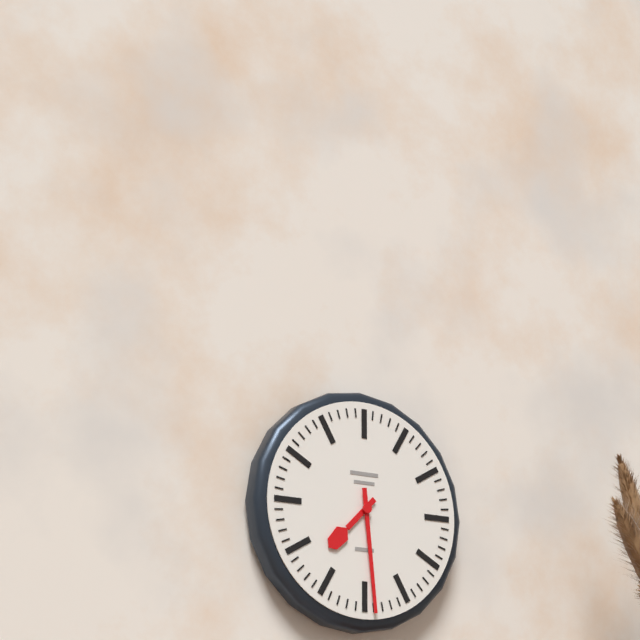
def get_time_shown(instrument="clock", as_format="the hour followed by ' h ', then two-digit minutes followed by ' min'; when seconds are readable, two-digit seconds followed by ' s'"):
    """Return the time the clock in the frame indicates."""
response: 7 h 29 min
